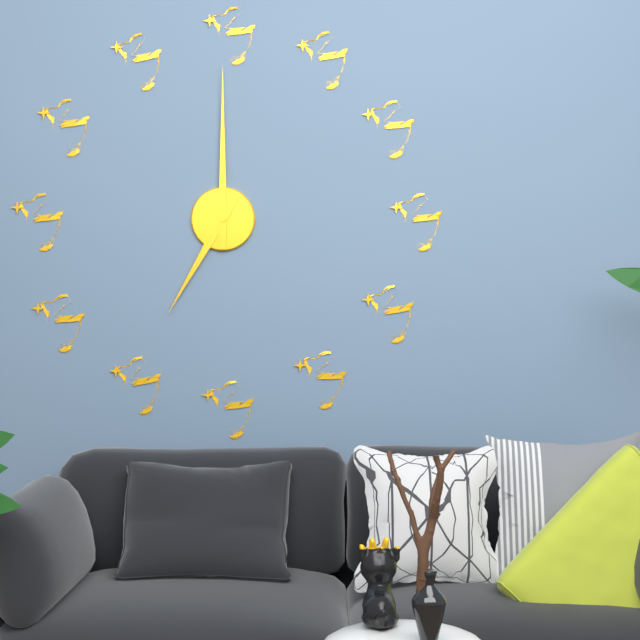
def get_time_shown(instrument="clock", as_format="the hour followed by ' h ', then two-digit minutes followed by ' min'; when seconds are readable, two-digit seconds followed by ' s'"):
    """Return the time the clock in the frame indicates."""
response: 7 h 00 min
